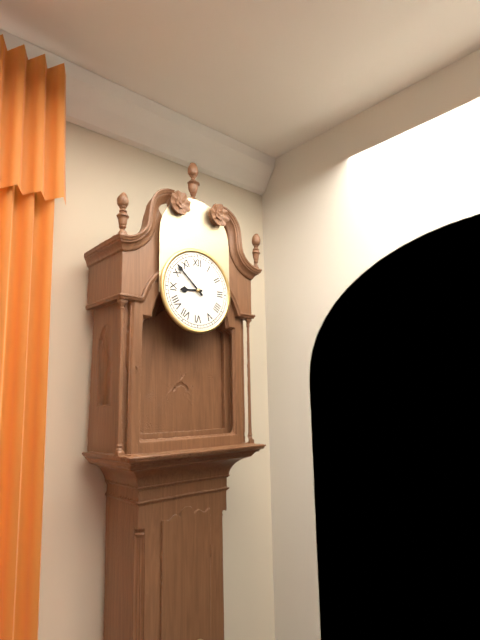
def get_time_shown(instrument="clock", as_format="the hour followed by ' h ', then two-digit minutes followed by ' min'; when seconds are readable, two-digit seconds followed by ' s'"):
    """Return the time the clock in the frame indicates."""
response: 8 h 52 min
